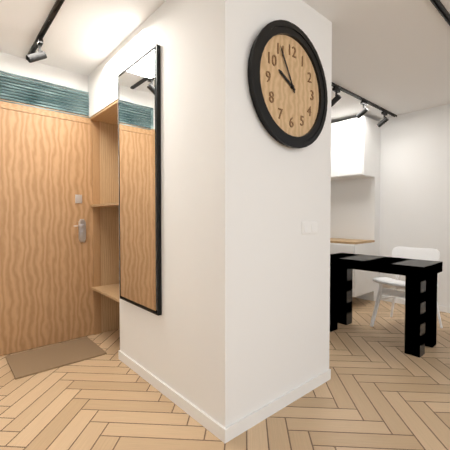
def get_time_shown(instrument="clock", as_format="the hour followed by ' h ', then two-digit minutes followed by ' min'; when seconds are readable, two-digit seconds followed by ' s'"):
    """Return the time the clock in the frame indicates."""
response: 9 h 55 min
